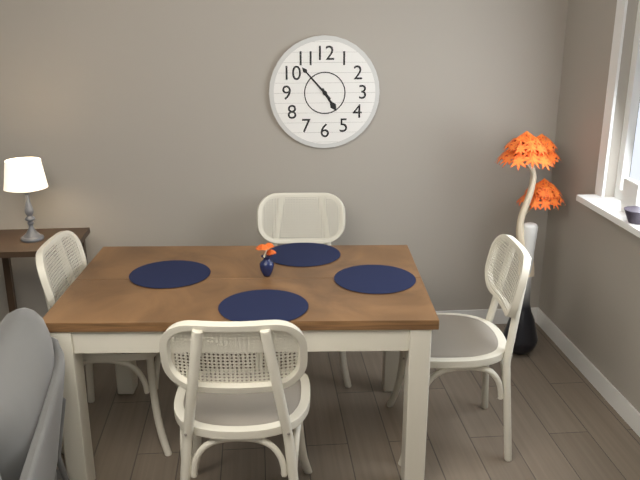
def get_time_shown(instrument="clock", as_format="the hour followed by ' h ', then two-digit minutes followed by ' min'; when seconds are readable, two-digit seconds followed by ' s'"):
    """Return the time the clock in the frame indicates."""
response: 4 h 53 min
